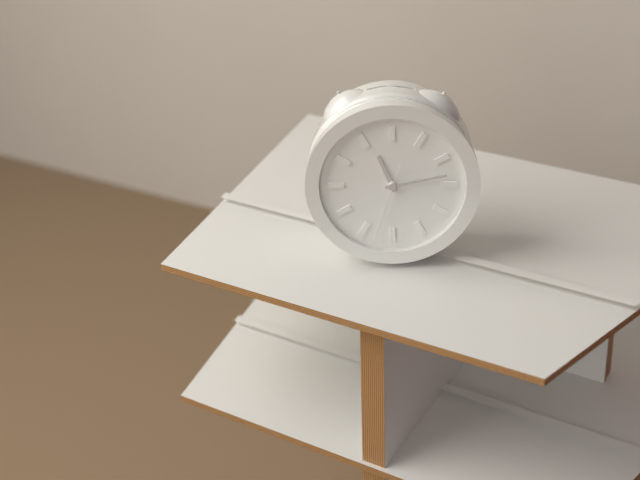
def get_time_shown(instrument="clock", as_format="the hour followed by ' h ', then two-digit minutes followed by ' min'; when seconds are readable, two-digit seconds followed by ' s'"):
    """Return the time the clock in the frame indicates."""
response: 11 h 13 min 33 s
